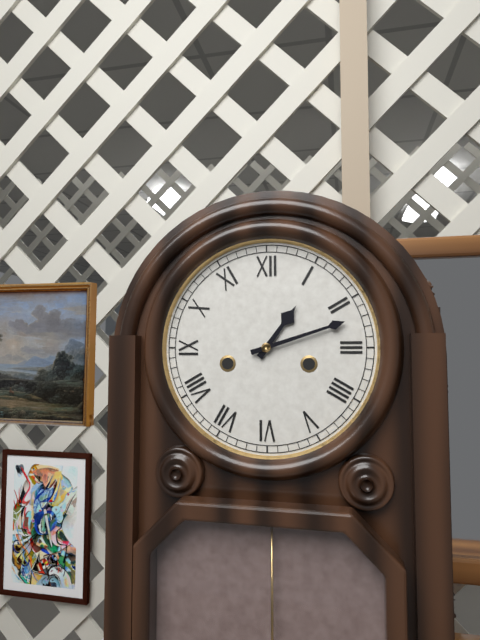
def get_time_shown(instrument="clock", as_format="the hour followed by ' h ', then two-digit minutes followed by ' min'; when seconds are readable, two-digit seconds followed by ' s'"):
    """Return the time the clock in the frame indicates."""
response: 1 h 12 min
